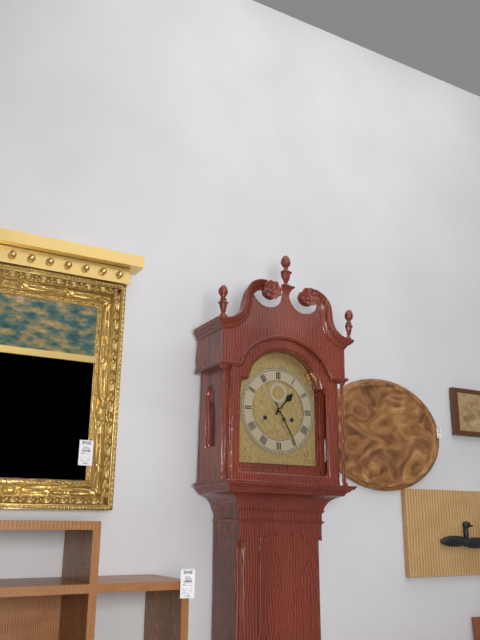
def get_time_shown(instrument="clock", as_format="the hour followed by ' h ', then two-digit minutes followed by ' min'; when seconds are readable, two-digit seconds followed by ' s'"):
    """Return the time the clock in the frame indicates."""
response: 1 h 25 min
